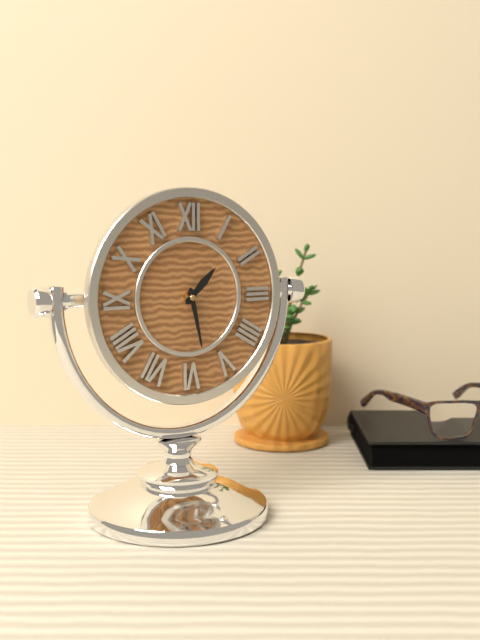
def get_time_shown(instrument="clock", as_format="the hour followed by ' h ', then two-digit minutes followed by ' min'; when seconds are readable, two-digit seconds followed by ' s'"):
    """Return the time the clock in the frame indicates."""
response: 1 h 28 min
